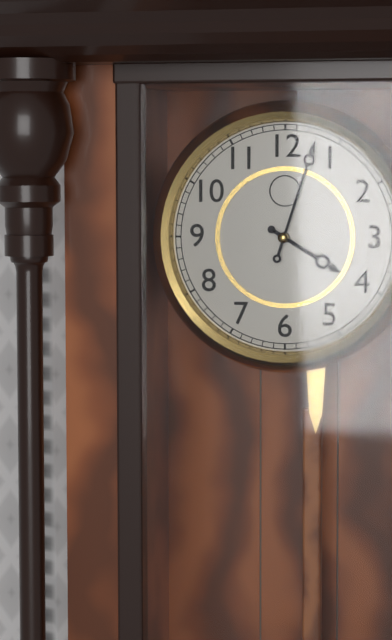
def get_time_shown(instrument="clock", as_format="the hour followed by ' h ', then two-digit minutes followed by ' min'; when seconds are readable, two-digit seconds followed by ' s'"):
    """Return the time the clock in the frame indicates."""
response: 4 h 03 min
